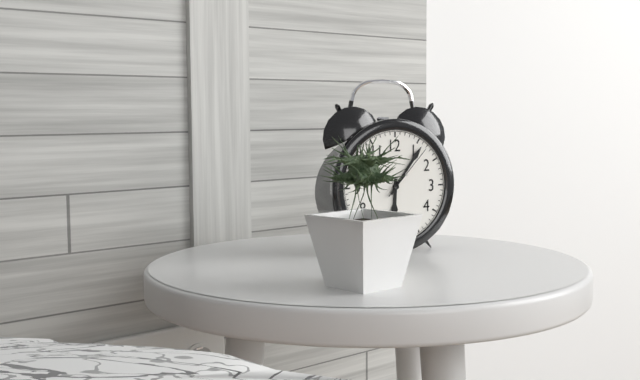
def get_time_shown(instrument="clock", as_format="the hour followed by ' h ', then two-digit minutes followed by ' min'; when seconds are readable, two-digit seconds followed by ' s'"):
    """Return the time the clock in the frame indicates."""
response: 6 h 06 min 07 s
